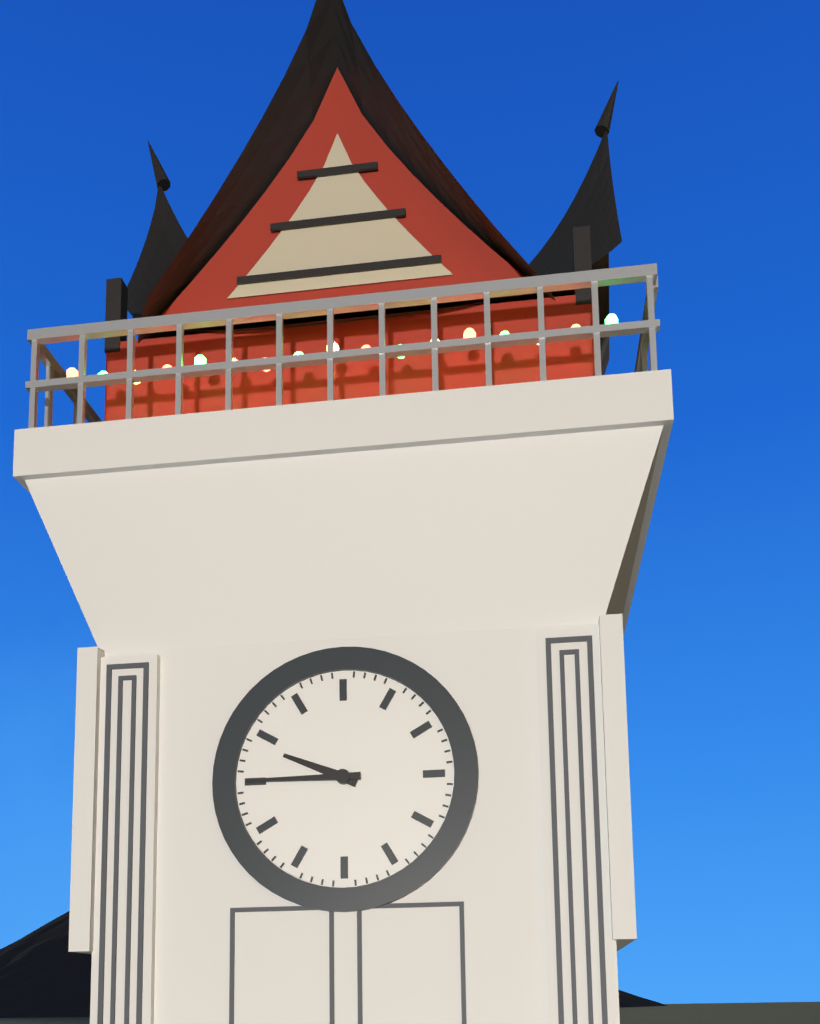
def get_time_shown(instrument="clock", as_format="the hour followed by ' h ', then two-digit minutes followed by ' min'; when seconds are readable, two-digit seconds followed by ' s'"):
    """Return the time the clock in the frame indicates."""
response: 9 h 45 min
